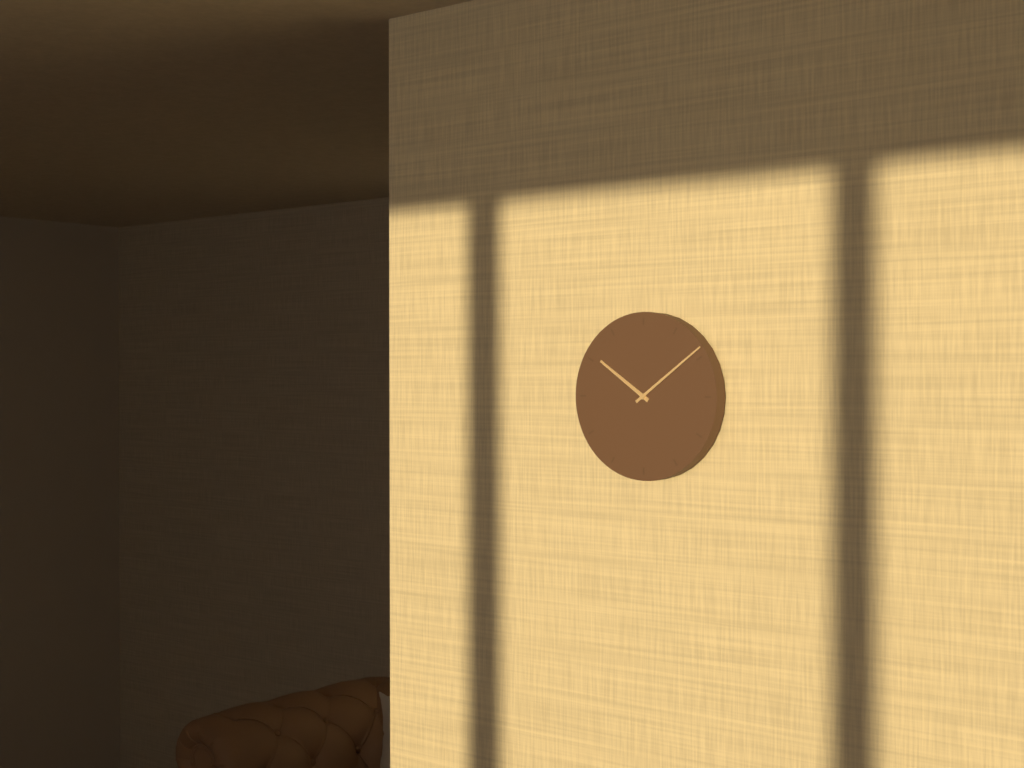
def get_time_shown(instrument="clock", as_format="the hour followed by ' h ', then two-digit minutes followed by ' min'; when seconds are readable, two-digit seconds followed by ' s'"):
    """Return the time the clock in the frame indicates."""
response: 10 h 09 min
